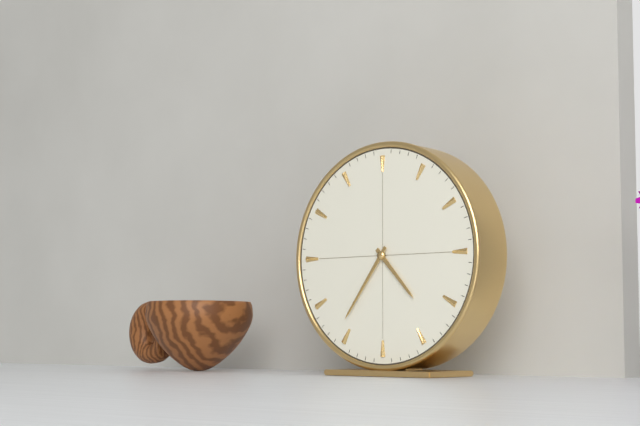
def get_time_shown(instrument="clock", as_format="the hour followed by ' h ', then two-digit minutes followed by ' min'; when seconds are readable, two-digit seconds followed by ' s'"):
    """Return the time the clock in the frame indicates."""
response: 4 h 36 min
